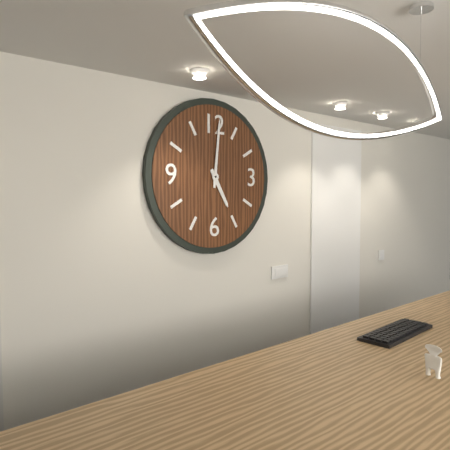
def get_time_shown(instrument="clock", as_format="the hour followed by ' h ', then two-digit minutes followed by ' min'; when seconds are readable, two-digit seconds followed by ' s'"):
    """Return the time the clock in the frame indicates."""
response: 5 h 01 min
